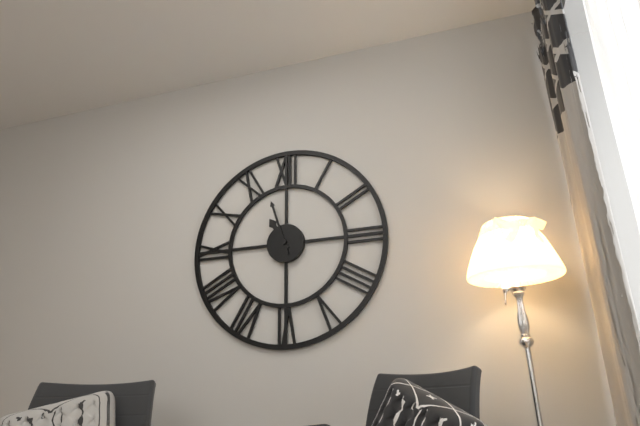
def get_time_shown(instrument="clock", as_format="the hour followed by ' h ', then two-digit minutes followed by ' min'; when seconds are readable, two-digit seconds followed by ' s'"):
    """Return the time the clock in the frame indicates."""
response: 10 h 57 min
